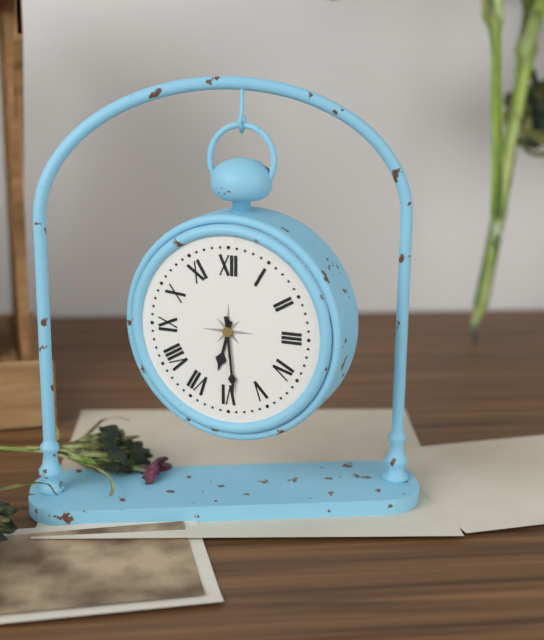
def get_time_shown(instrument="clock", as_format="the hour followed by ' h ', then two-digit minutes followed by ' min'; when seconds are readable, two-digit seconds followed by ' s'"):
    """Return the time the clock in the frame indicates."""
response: 6 h 29 min
